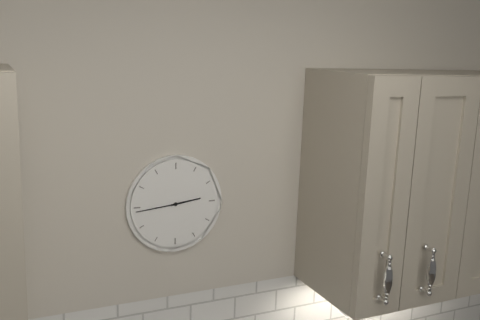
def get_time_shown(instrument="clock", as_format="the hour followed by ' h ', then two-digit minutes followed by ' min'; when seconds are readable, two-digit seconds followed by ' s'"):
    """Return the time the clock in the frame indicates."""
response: 2 h 44 min
